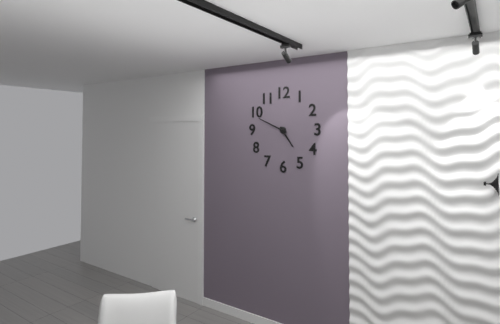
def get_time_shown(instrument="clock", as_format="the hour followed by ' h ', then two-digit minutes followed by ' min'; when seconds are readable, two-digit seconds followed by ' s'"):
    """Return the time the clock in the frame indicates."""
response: 4 h 49 min
